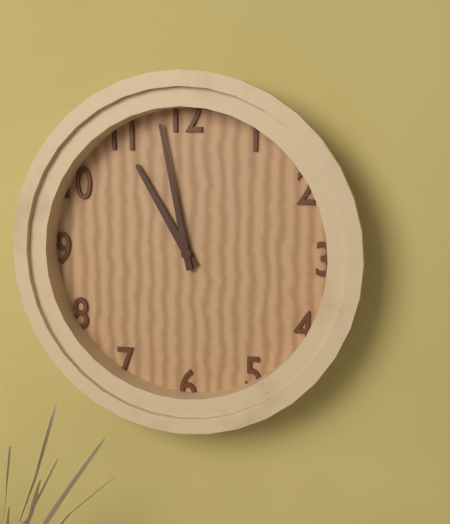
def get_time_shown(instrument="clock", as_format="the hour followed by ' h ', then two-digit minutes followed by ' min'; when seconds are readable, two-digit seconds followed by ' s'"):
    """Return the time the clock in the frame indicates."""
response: 10 h 58 min
